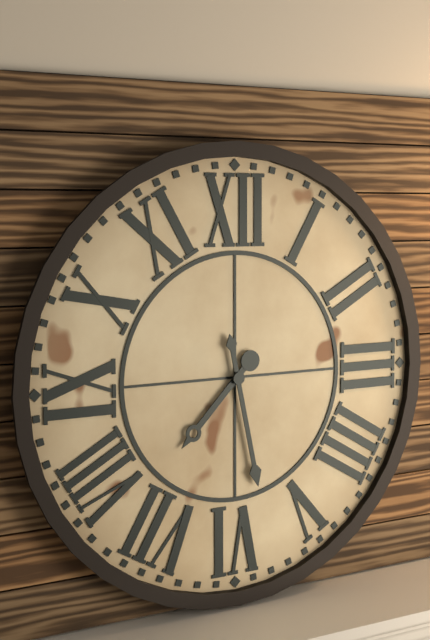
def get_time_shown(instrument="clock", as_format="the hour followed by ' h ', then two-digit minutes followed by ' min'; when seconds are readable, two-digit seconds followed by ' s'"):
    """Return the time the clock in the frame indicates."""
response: 7 h 28 min
